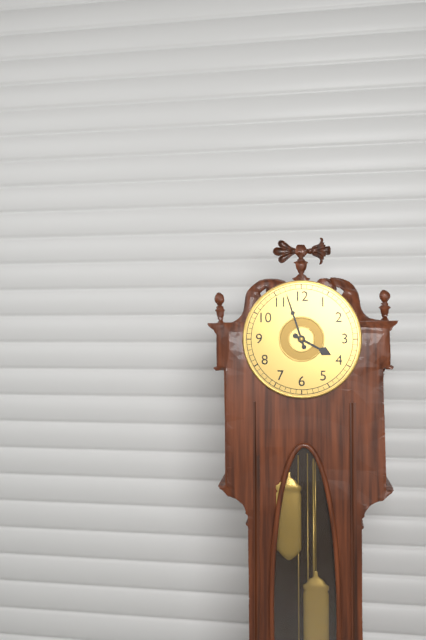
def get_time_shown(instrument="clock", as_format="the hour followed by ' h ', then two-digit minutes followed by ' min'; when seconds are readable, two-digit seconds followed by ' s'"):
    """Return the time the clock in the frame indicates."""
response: 3 h 57 min
